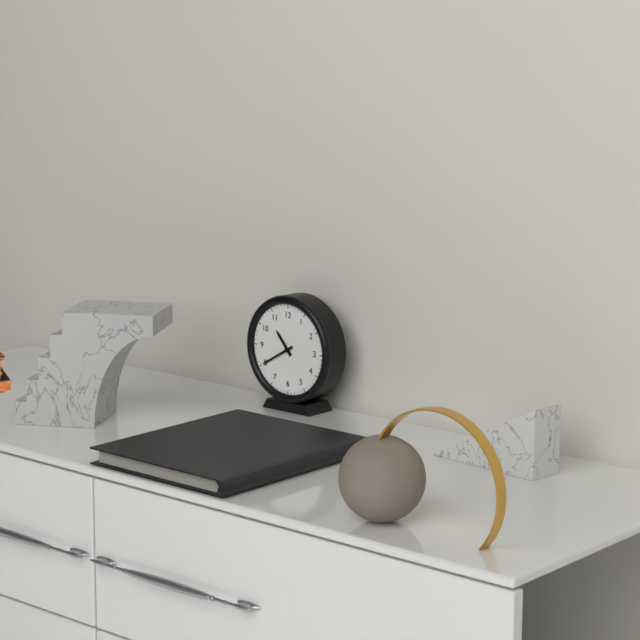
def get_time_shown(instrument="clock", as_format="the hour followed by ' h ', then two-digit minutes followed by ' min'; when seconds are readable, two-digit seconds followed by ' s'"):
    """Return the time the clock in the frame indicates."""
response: 10 h 40 min
